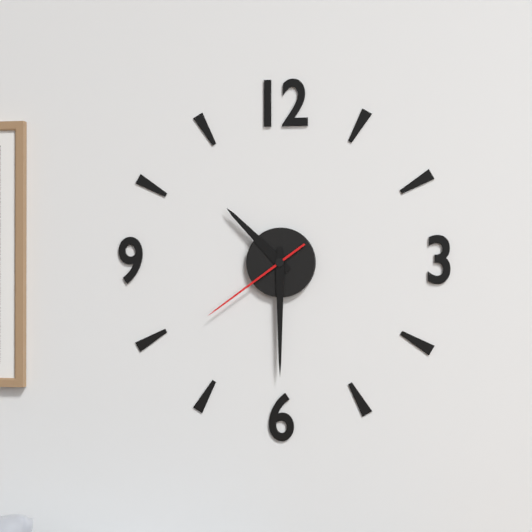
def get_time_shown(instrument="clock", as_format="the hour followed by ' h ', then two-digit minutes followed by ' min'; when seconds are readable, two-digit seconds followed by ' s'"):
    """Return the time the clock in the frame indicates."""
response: 10 h 30 min 39 s
